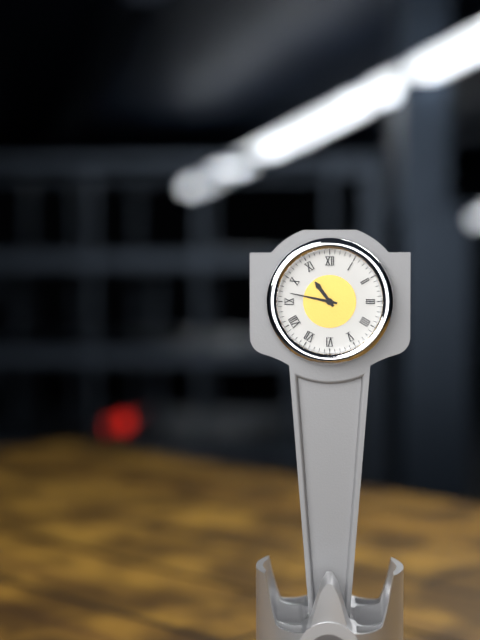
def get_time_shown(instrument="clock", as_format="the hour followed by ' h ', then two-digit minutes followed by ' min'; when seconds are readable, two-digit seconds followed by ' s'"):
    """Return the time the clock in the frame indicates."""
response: 10 h 47 min
